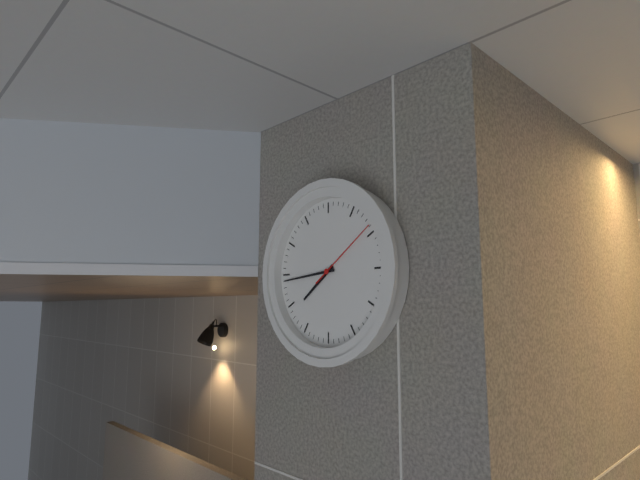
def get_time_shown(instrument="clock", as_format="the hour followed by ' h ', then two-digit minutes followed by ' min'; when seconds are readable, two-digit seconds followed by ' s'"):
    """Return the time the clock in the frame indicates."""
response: 7 h 44 min 09 s
